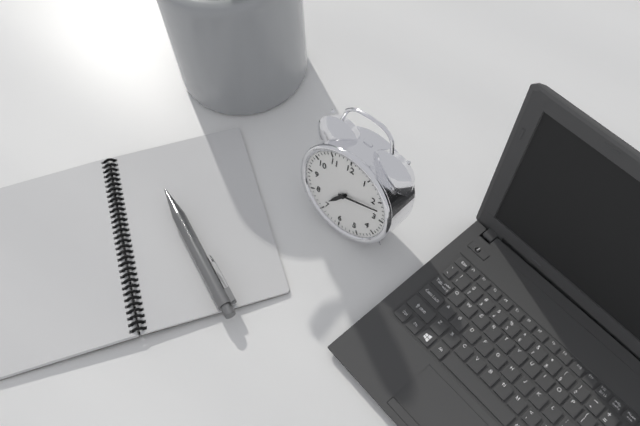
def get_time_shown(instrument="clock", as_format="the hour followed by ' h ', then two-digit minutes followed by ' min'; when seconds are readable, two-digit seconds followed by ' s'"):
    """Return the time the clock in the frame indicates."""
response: 7 h 12 min
